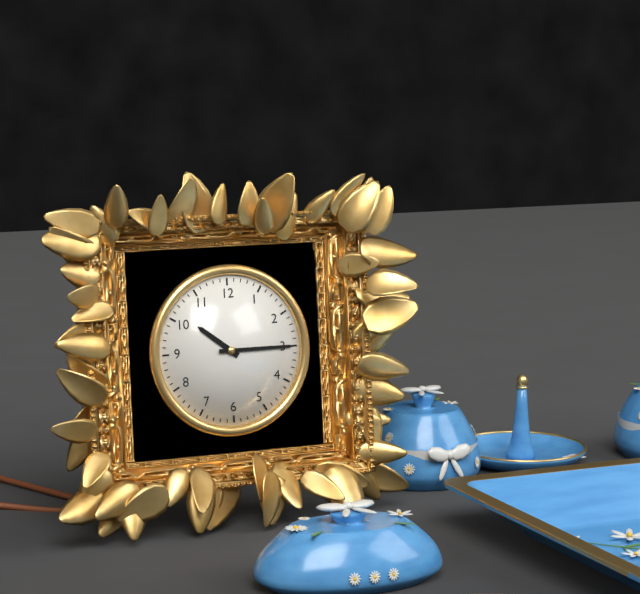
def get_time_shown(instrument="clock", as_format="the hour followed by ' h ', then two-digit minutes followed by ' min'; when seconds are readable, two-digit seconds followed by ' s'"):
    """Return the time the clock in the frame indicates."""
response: 10 h 15 min
